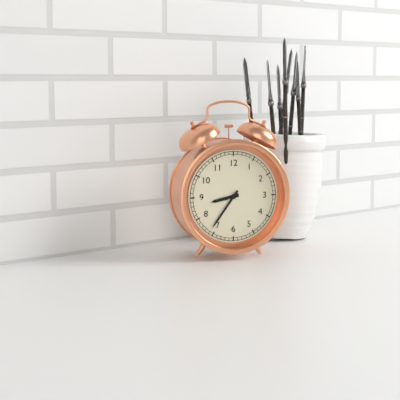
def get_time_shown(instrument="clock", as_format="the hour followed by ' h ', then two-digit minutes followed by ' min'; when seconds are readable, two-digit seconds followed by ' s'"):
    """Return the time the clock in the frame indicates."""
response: 8 h 36 min
